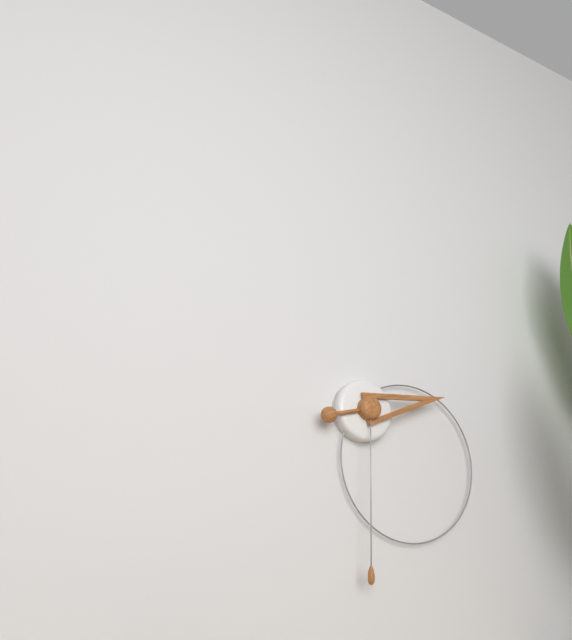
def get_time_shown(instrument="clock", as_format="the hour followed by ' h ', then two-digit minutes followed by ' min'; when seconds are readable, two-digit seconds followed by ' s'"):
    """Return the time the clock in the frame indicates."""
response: 2 h 30 min
